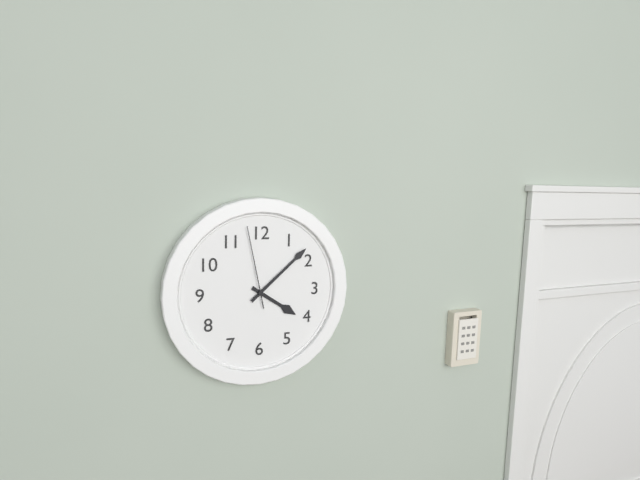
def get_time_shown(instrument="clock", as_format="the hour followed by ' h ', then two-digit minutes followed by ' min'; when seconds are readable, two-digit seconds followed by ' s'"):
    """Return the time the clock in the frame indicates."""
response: 4 h 08 min 58 s
